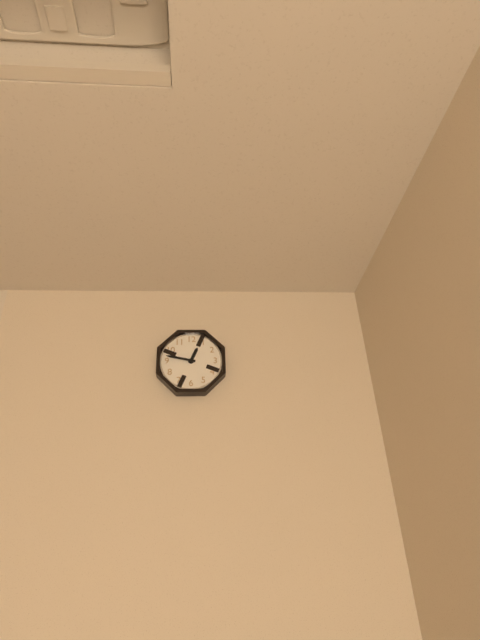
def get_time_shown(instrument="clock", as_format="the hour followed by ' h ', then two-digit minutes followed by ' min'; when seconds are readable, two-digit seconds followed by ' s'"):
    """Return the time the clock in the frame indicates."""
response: 12 h 47 min
